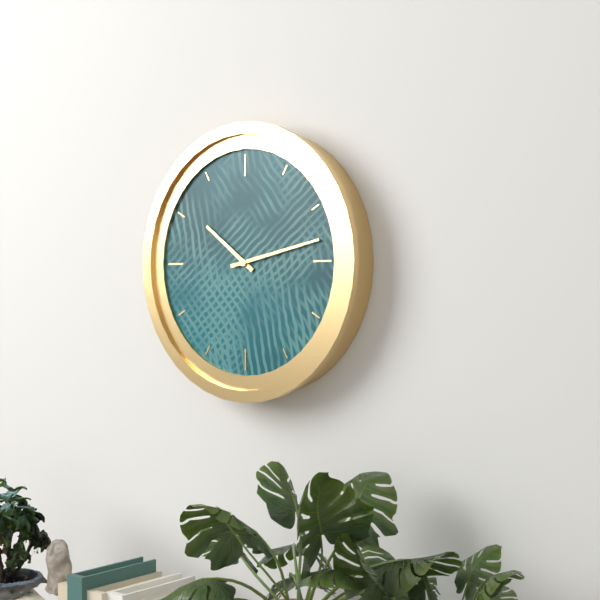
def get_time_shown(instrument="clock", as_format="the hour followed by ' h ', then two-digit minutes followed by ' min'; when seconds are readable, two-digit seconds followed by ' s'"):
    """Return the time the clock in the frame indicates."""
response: 10 h 13 min
